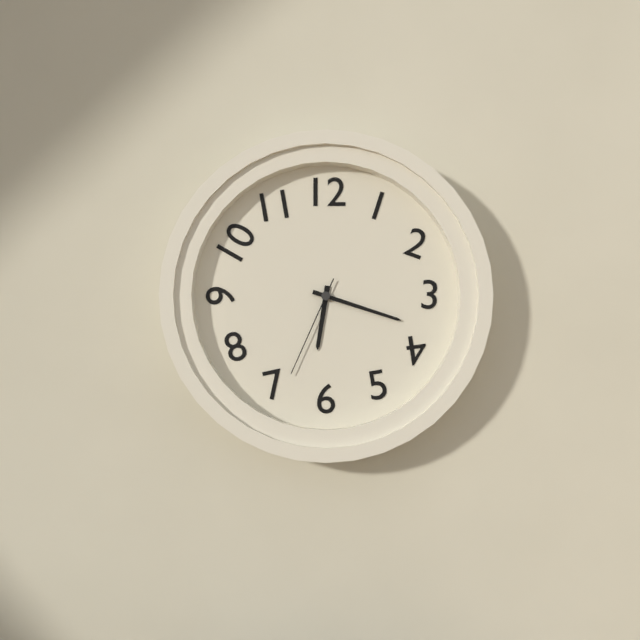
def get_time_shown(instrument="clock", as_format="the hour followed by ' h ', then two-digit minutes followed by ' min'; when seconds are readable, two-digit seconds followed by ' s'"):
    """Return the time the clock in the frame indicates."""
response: 6 h 18 min 34 s
